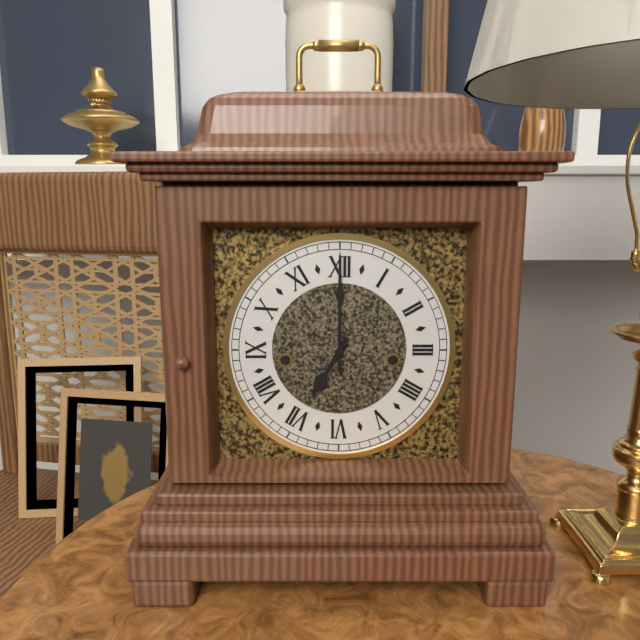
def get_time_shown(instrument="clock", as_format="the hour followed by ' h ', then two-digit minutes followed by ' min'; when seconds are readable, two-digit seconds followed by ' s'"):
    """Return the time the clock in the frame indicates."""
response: 7 h 00 min
